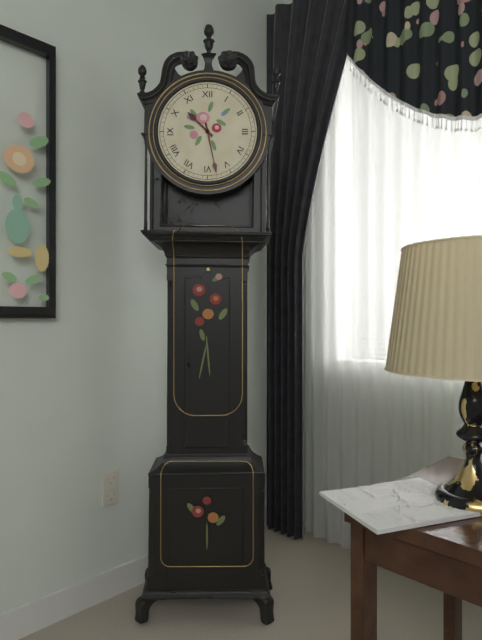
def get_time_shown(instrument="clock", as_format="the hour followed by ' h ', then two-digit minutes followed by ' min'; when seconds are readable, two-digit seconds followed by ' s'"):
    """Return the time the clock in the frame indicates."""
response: 10 h 28 min
